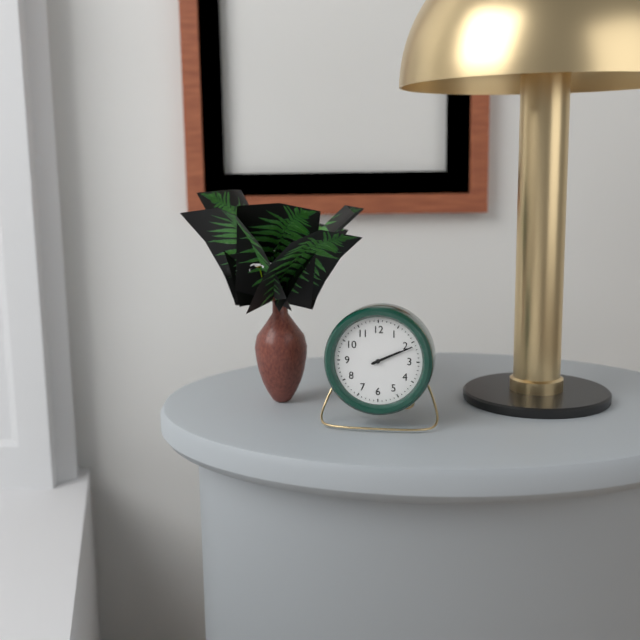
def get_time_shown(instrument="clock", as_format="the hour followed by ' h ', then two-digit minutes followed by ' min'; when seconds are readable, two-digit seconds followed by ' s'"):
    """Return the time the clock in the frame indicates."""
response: 2 h 11 min
